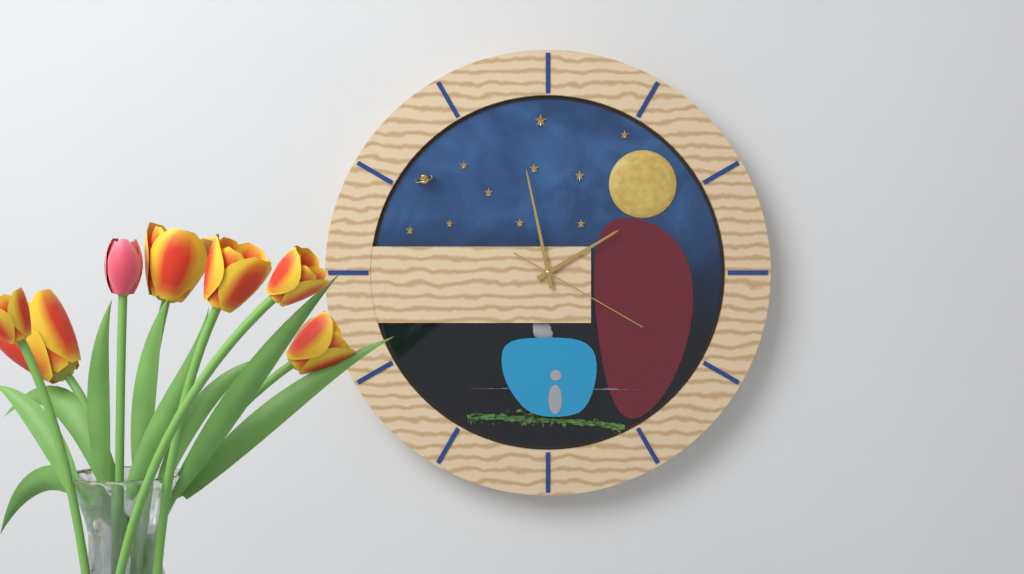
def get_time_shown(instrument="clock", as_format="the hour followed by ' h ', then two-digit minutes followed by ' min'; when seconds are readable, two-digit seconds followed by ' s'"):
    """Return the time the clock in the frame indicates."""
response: 1 h 58 min 20 s
